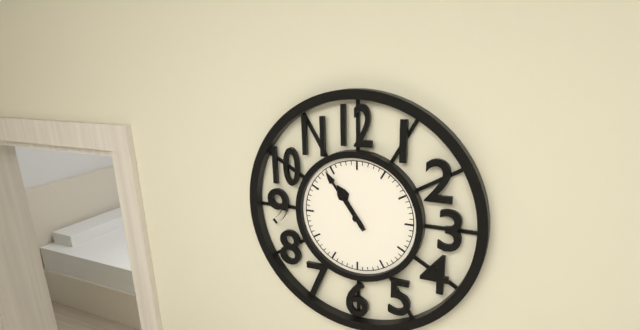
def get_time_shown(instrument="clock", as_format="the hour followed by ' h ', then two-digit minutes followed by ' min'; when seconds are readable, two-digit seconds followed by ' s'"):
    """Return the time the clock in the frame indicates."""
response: 10 h 54 min
